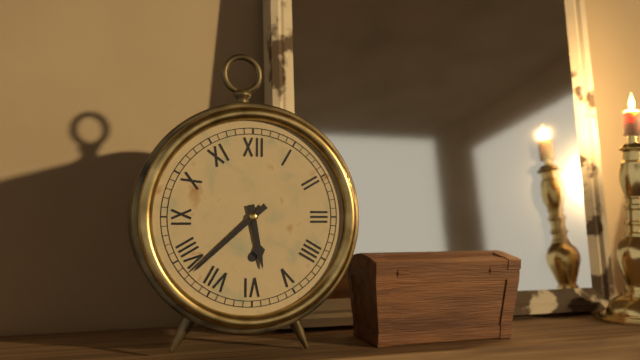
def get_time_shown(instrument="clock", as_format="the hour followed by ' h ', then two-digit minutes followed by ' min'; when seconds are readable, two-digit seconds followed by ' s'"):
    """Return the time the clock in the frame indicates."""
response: 5 h 38 min
